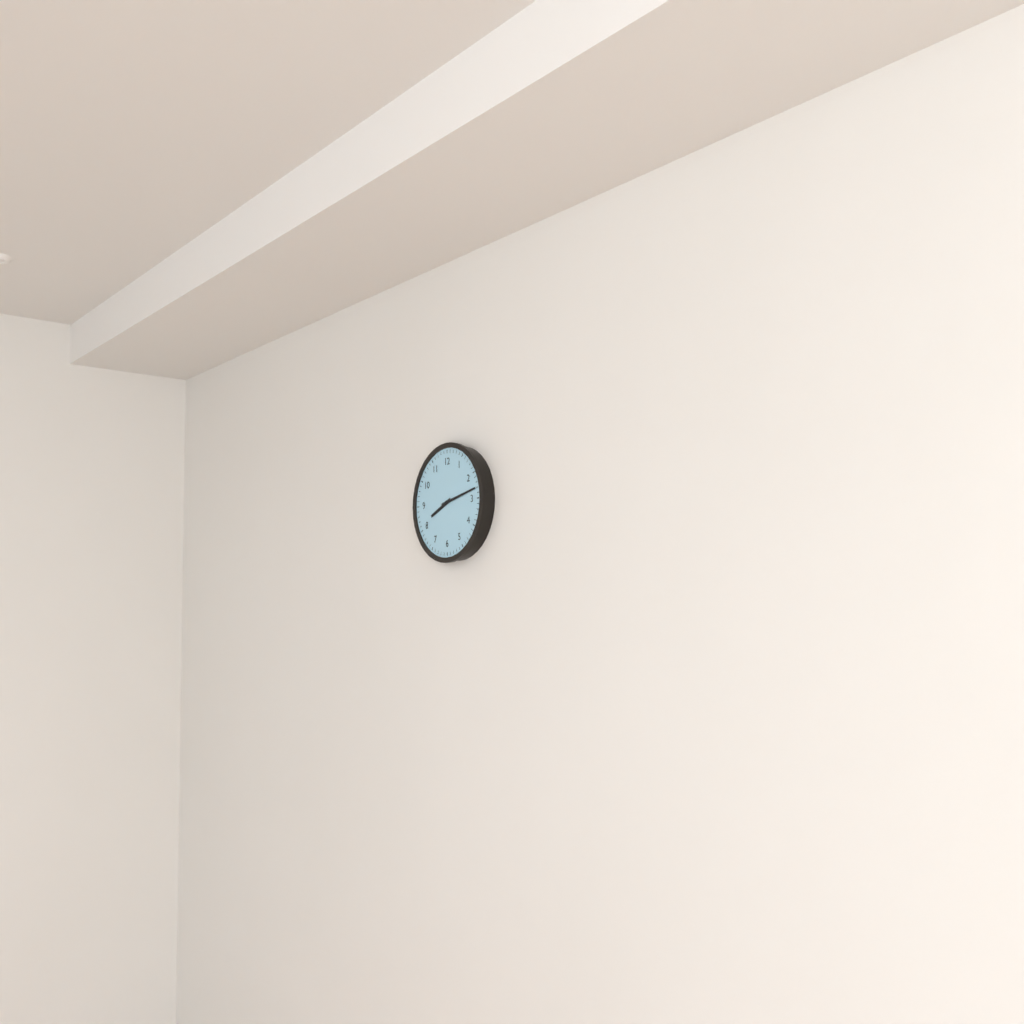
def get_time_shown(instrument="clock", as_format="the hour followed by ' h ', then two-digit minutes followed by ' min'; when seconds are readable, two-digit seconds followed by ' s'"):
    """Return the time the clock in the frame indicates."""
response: 8 h 13 min
